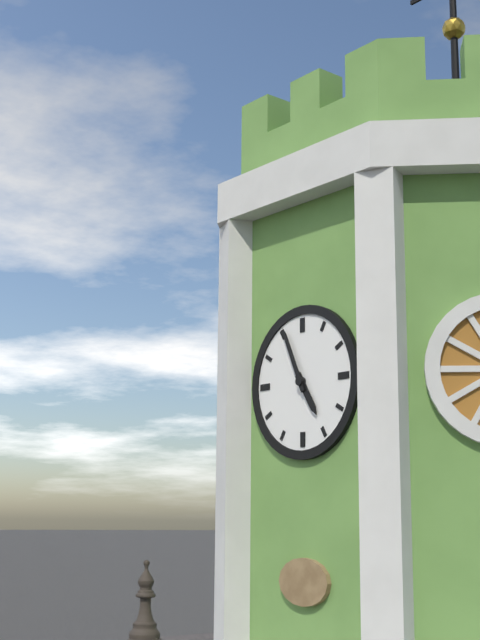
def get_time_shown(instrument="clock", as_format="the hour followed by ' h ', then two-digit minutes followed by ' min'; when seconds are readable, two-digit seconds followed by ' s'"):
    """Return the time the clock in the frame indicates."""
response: 4 h 56 min
